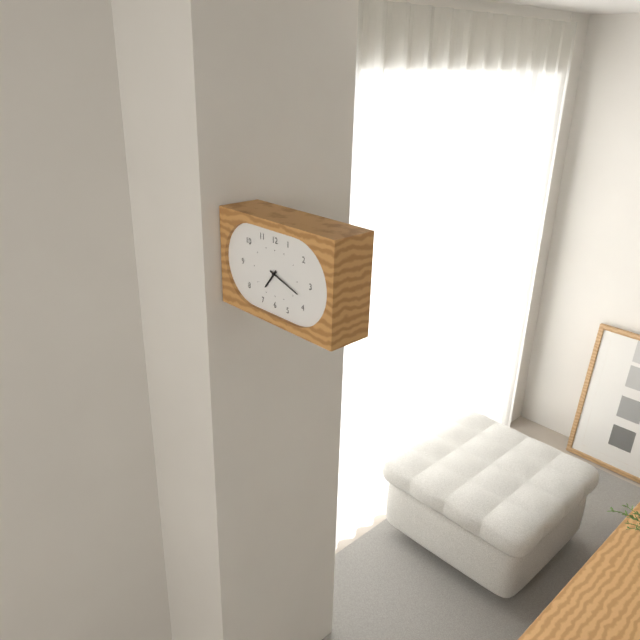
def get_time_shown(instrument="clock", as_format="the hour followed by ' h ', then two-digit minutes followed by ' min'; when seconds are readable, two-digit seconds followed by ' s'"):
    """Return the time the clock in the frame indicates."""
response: 7 h 18 min
